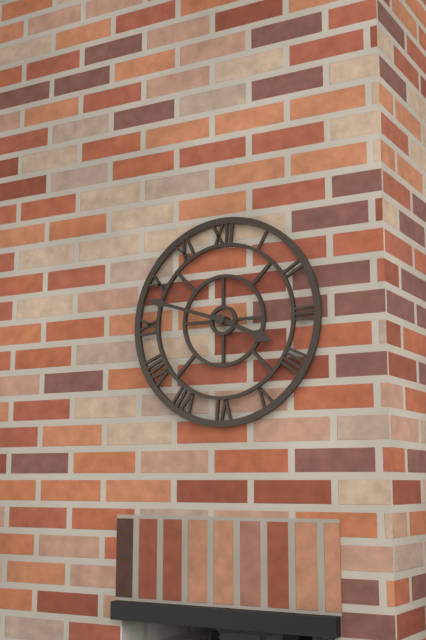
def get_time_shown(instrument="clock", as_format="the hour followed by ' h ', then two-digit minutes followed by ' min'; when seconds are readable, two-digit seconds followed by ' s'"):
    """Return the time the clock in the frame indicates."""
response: 3 h 48 min
